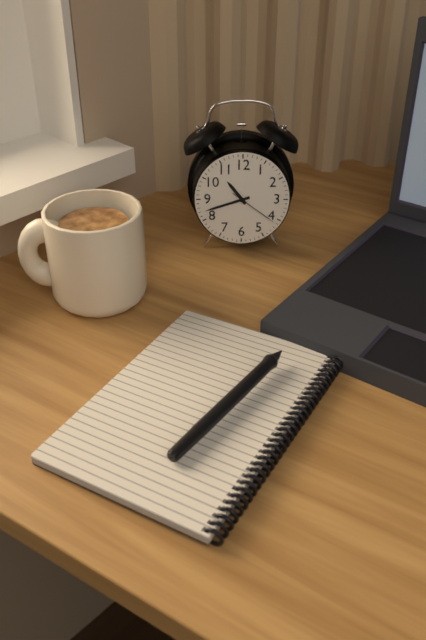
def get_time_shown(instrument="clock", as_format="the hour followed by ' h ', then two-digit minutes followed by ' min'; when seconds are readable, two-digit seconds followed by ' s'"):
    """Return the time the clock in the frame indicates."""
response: 10 h 42 min 21 s
